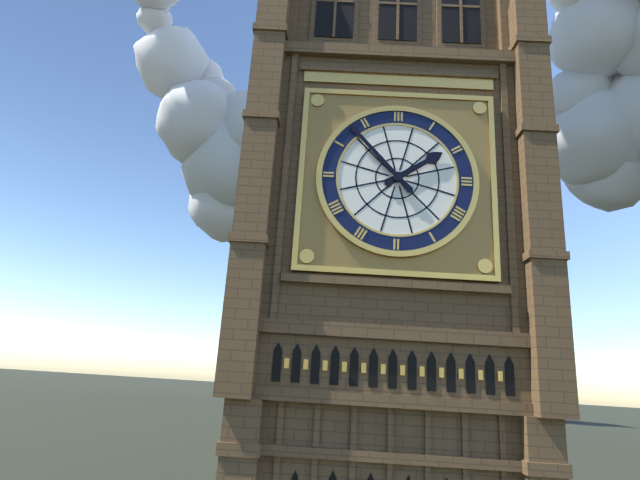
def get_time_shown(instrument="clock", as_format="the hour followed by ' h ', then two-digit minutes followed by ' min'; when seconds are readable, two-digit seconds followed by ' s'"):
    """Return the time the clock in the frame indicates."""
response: 1 h 53 min
